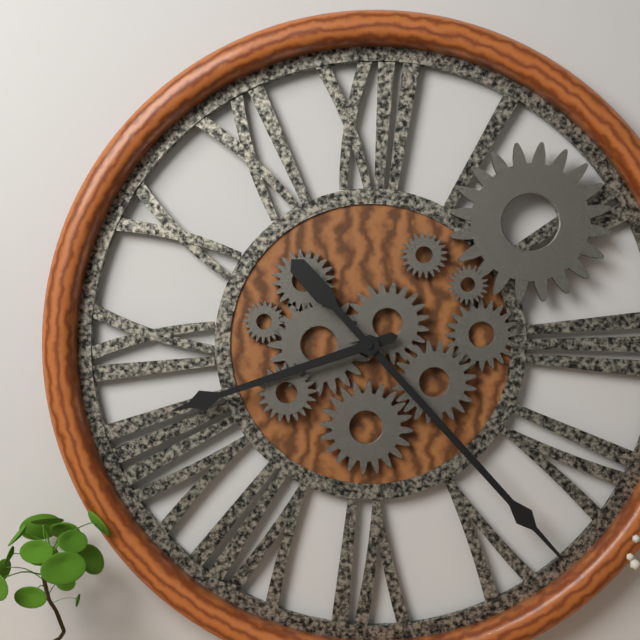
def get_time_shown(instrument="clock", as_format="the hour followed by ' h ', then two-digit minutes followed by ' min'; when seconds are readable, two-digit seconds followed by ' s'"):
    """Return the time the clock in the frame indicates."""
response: 8 h 23 min
